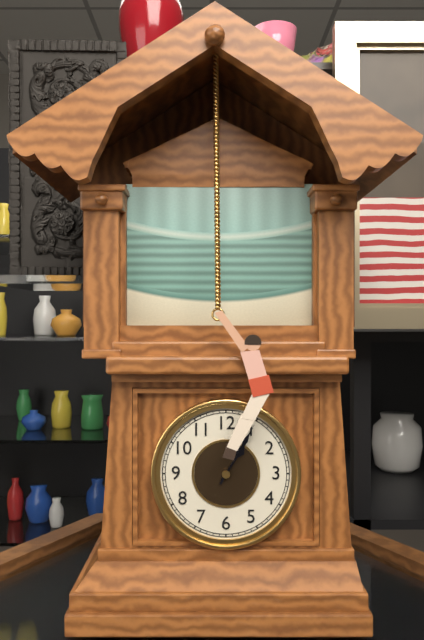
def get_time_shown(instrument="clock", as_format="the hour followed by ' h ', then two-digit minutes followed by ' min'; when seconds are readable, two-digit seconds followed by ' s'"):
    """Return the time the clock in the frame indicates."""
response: 1 h 05 min
